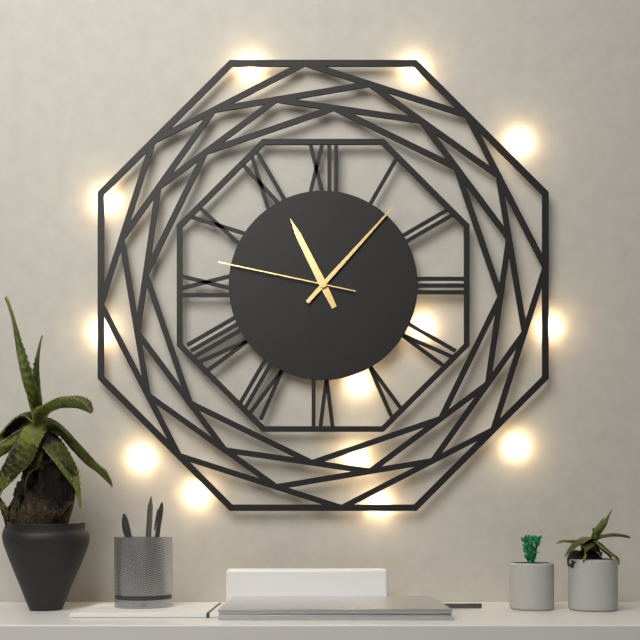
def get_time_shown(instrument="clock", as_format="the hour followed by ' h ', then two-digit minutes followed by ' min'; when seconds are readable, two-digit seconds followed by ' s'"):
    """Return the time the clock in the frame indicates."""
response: 11 h 07 min 47 s
